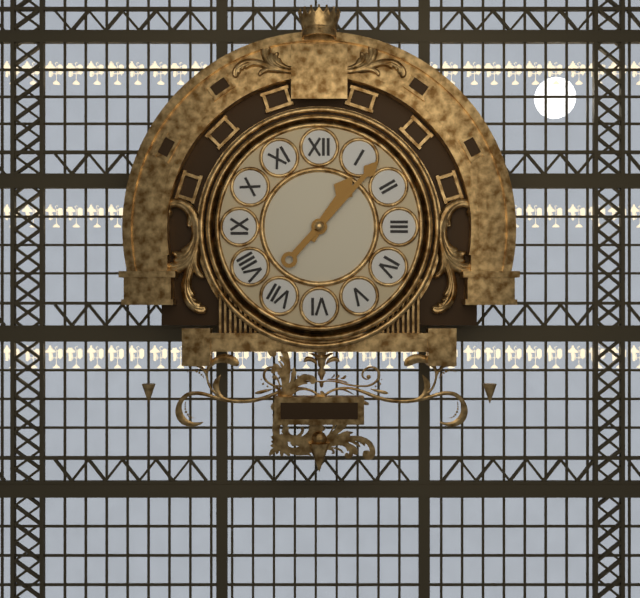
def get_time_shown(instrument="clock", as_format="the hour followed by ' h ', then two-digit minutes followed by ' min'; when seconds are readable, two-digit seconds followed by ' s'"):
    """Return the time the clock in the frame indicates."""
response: 1 h 07 min
